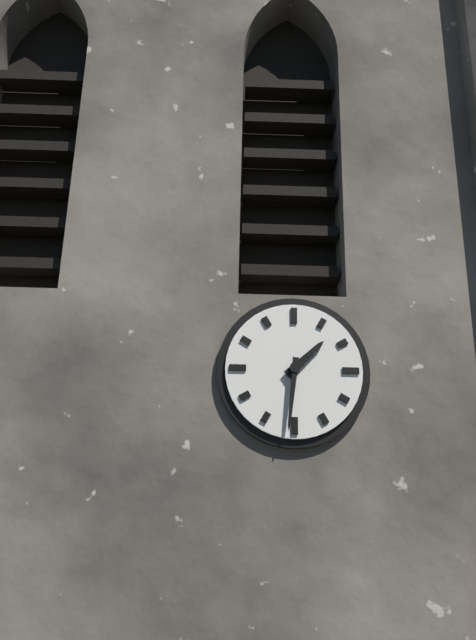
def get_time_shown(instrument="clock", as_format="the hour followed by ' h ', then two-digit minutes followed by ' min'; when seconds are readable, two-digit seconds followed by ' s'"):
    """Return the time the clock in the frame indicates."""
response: 1 h 31 min
